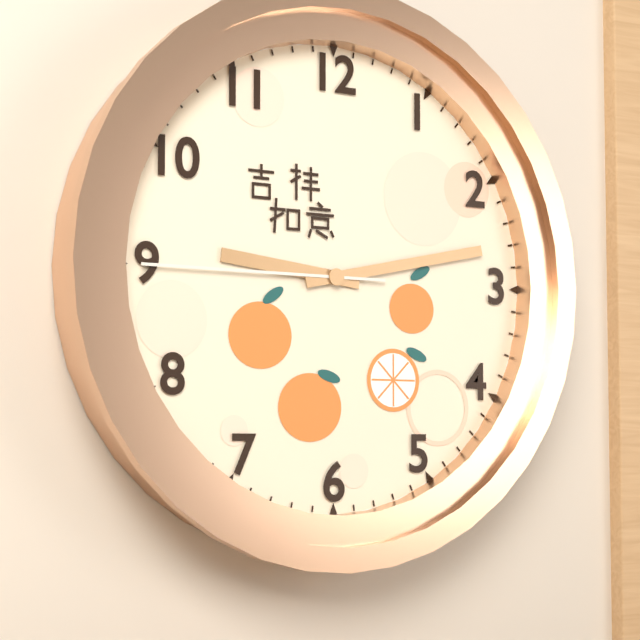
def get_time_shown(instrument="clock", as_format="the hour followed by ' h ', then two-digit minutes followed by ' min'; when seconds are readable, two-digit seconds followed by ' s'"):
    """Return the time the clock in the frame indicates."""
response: 9 h 13 min 45 s
